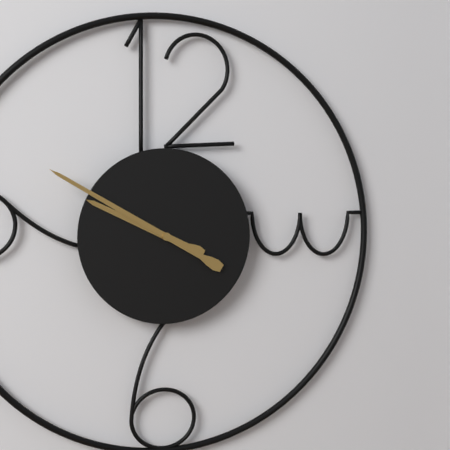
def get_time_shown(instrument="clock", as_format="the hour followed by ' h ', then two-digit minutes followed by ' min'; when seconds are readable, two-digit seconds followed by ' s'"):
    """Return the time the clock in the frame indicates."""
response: 9 h 50 min
